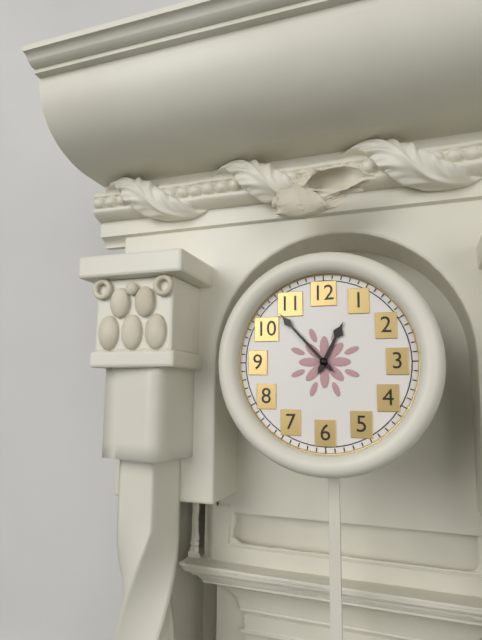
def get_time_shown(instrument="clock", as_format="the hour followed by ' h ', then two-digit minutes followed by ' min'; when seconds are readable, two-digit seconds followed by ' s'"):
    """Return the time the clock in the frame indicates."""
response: 12 h 53 min
